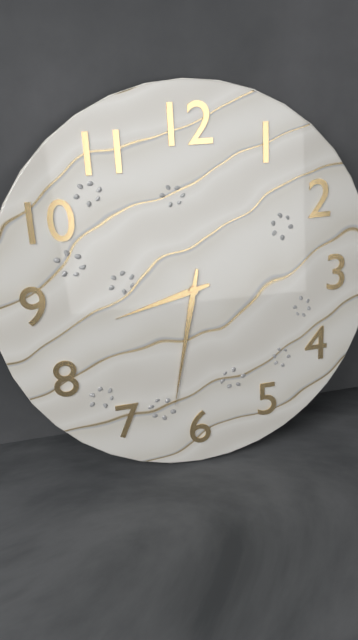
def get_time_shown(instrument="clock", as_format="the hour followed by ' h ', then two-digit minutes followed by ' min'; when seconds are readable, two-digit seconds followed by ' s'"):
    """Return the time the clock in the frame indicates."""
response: 8 h 32 min
